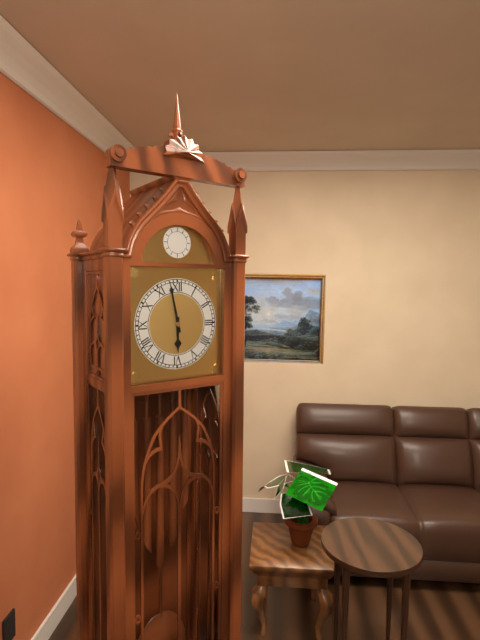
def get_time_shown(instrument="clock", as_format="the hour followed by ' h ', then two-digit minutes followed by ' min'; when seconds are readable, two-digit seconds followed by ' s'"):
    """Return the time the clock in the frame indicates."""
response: 5 h 58 min
